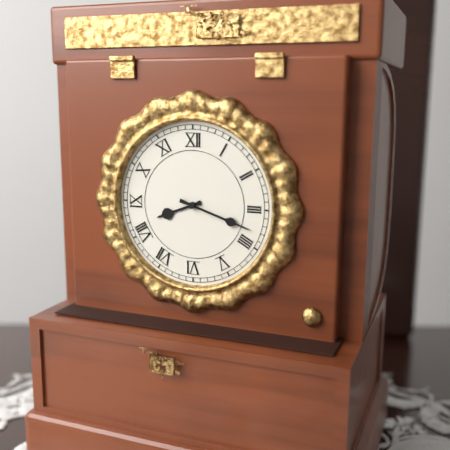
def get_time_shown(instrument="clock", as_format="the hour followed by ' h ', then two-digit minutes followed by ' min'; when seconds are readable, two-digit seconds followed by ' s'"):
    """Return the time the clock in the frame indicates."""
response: 8 h 18 min
